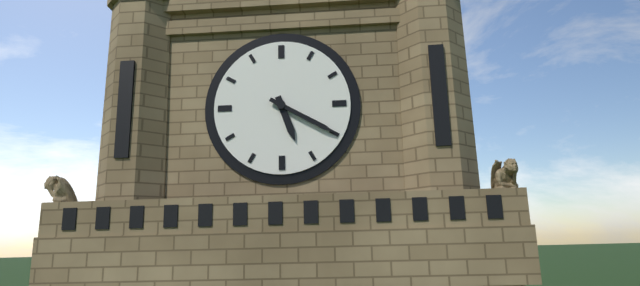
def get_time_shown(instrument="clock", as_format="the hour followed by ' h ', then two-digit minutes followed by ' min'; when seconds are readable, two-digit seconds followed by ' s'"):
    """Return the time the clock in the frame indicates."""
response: 5 h 20 min
